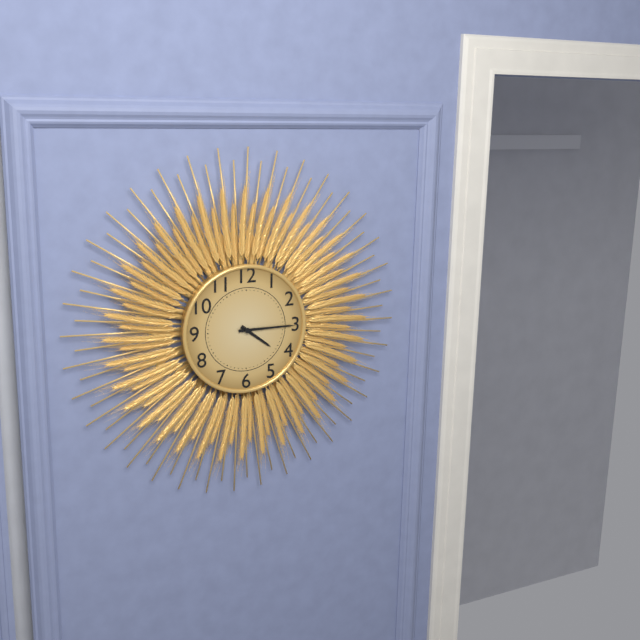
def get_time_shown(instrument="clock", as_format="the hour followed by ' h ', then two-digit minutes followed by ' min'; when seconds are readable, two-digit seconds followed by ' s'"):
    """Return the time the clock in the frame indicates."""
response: 4 h 15 min
